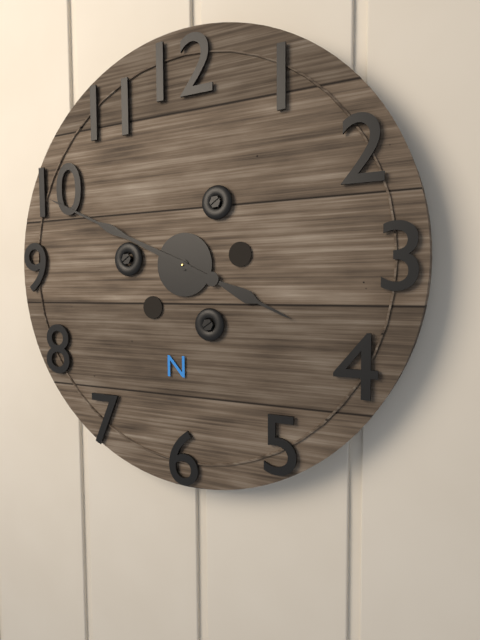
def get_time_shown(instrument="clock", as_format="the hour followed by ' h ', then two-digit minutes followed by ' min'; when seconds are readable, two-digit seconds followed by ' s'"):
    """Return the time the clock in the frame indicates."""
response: 3 h 49 min
